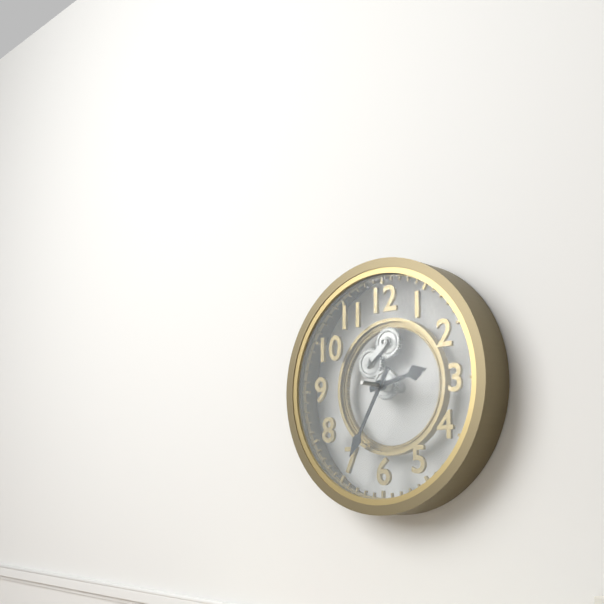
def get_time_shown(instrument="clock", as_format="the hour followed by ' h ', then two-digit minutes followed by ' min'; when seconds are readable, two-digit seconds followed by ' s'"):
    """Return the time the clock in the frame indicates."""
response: 2 h 35 min
